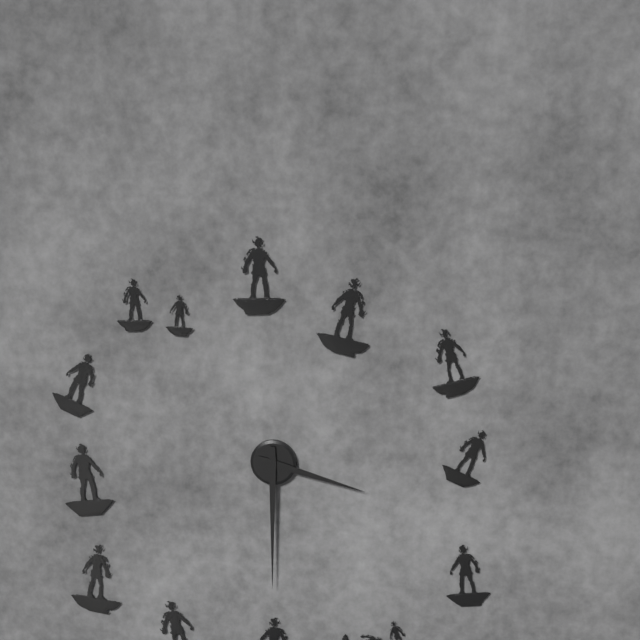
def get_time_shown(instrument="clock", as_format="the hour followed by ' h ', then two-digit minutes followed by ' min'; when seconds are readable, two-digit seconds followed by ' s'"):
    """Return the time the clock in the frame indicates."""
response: 3 h 30 min
